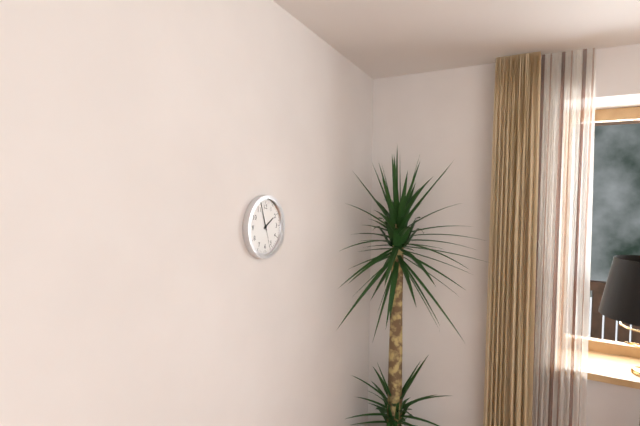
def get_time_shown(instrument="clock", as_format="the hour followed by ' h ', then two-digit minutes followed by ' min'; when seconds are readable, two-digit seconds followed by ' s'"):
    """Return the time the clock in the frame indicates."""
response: 1 h 57 min
